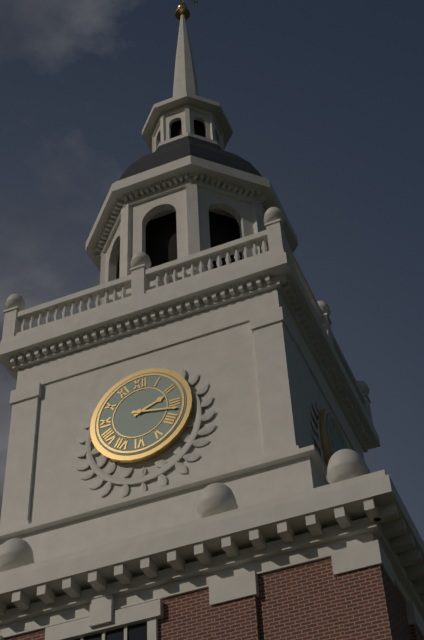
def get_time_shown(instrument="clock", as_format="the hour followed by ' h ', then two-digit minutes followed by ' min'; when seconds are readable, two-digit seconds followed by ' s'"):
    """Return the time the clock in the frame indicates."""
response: 2 h 17 min
